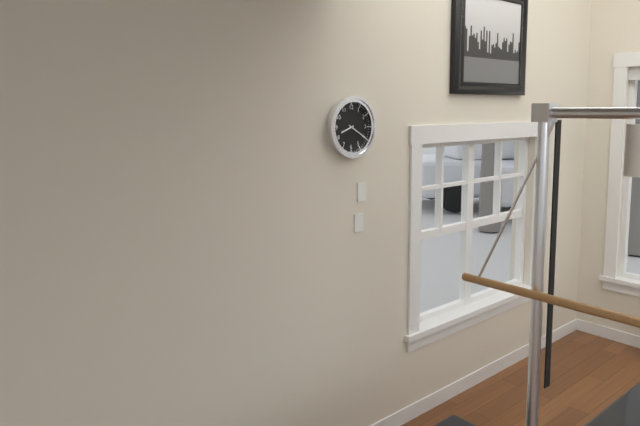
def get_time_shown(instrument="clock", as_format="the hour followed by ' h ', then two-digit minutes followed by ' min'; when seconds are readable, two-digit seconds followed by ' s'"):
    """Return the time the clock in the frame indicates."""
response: 8 h 20 min
